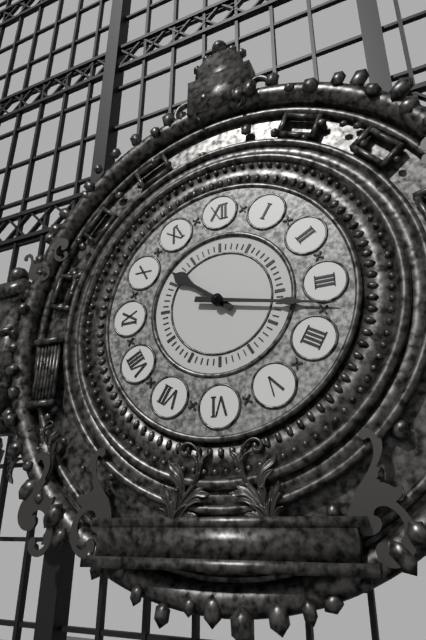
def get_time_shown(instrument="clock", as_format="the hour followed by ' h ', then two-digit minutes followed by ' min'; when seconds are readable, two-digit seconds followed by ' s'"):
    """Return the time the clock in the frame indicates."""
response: 10 h 17 min
